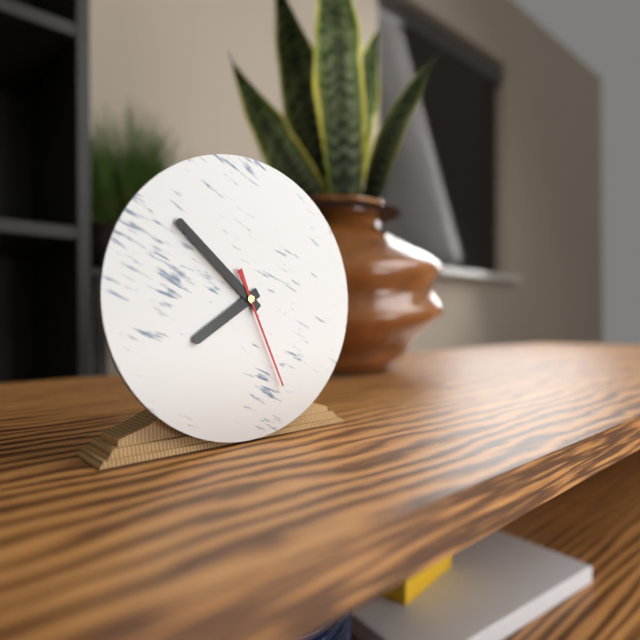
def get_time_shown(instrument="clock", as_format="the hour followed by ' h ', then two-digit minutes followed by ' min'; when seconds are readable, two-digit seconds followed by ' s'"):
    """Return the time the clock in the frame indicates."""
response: 7 h 52 min 26 s
